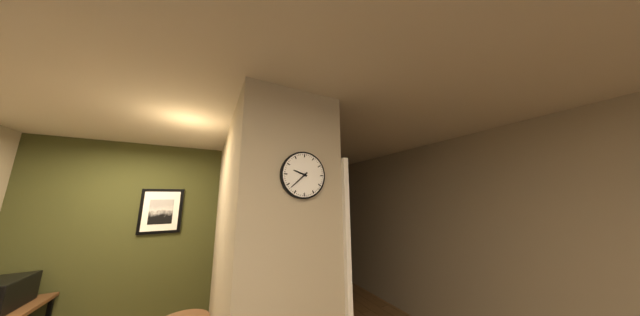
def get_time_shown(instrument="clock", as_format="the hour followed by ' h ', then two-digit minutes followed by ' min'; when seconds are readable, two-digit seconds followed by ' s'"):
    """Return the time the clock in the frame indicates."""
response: 9 h 38 min
